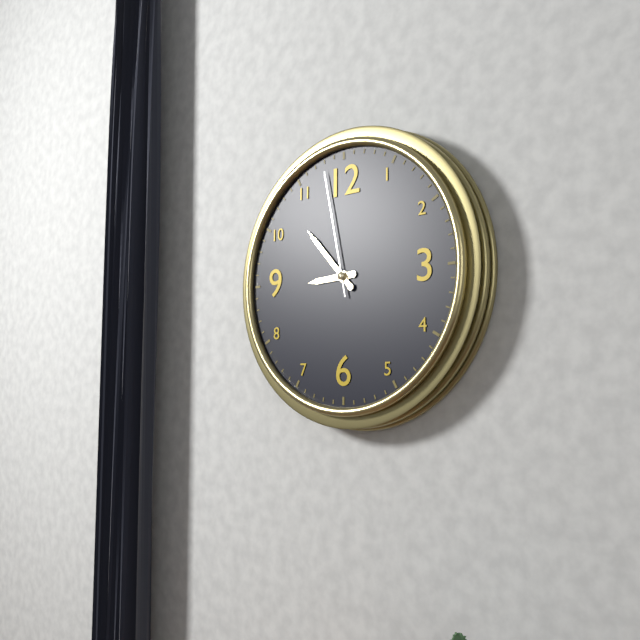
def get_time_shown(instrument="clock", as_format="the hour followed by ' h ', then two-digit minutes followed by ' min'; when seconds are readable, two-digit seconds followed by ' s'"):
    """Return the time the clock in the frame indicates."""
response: 8 h 53 min 58 s
